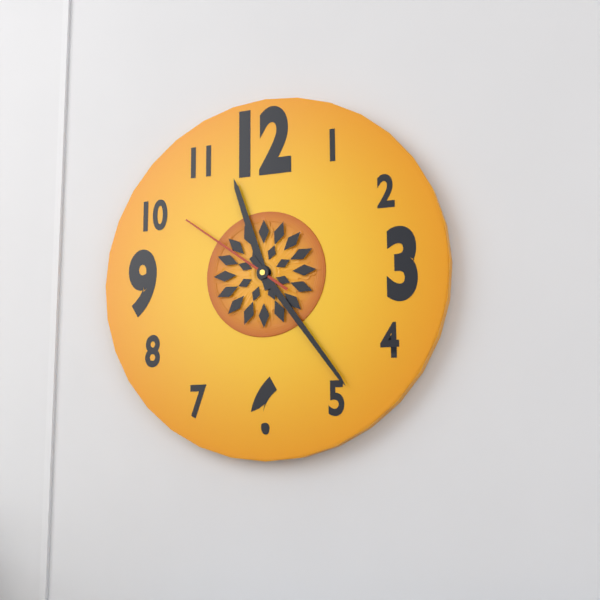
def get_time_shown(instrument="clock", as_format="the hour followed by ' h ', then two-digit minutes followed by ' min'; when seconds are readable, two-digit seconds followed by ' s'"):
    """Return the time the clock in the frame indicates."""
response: 11 h 24 min 51 s
